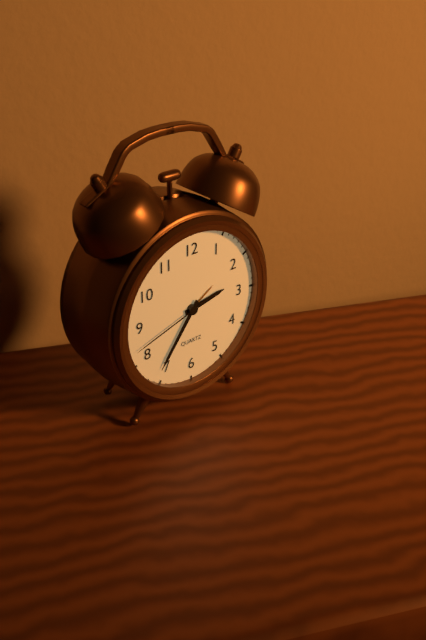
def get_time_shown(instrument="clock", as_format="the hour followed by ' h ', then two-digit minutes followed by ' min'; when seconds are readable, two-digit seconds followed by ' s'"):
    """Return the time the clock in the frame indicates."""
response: 2 h 36 min 42 s
